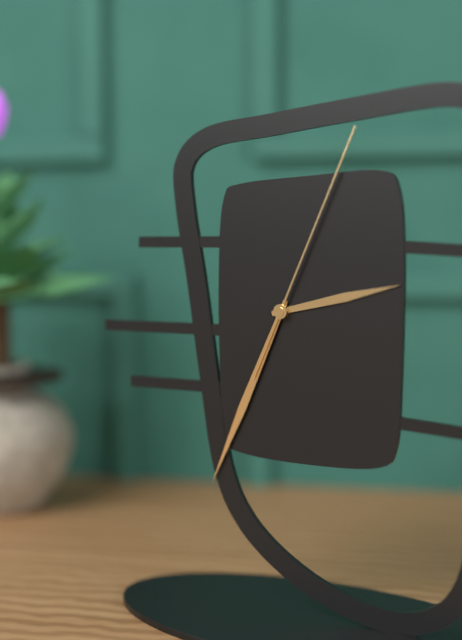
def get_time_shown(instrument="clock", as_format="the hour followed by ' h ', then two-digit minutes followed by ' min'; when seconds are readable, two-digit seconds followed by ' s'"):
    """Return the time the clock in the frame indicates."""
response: 2 h 34 min 04 s
